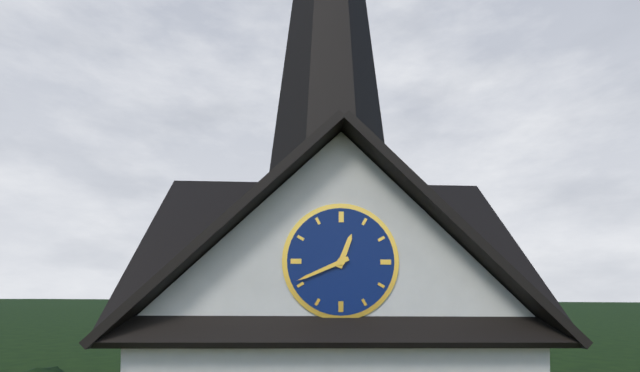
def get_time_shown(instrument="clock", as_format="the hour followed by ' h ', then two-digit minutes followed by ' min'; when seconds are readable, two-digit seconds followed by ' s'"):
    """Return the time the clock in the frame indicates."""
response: 12 h 41 min
